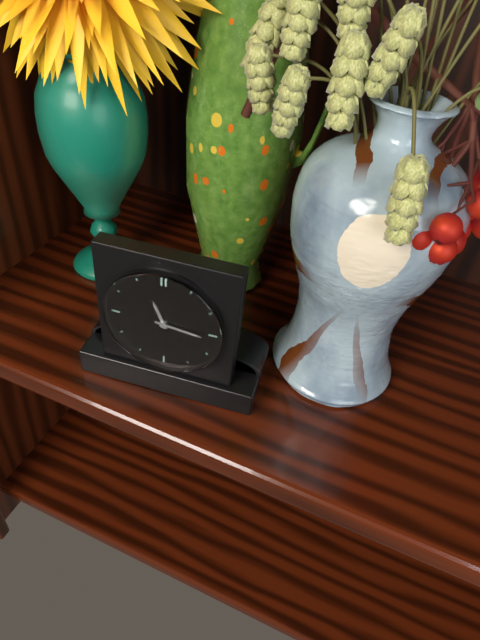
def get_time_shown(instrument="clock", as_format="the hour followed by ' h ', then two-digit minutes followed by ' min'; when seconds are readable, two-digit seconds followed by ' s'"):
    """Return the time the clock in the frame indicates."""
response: 11 h 16 min
